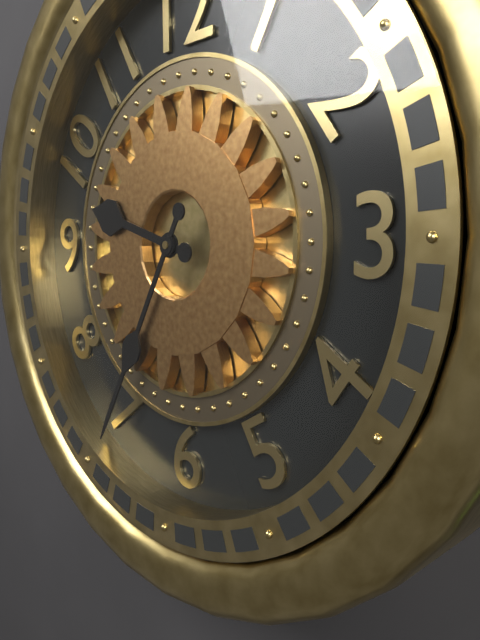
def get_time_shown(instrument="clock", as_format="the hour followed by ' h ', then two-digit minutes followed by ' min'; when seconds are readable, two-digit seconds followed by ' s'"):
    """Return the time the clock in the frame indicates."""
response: 9 h 35 min
